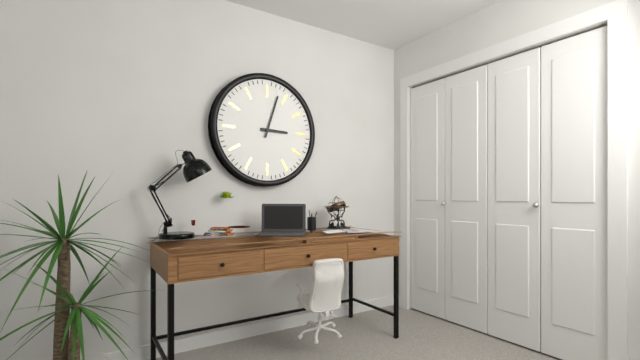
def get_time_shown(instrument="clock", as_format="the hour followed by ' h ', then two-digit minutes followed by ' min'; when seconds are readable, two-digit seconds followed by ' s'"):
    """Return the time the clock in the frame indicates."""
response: 3 h 03 min
